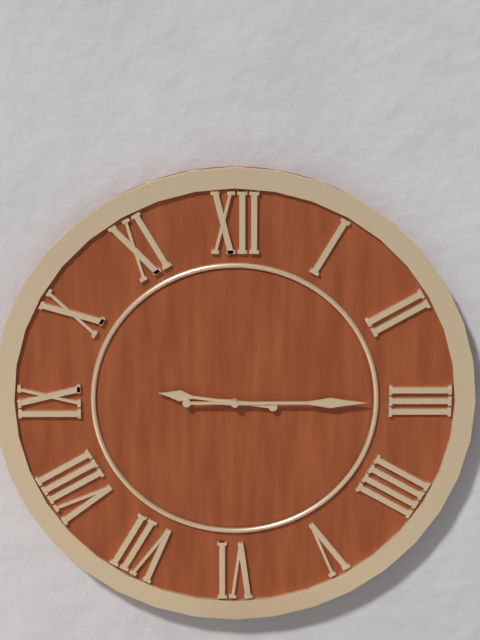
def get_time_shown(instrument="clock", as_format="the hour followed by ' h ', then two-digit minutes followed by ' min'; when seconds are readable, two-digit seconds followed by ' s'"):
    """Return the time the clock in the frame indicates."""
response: 9 h 15 min
